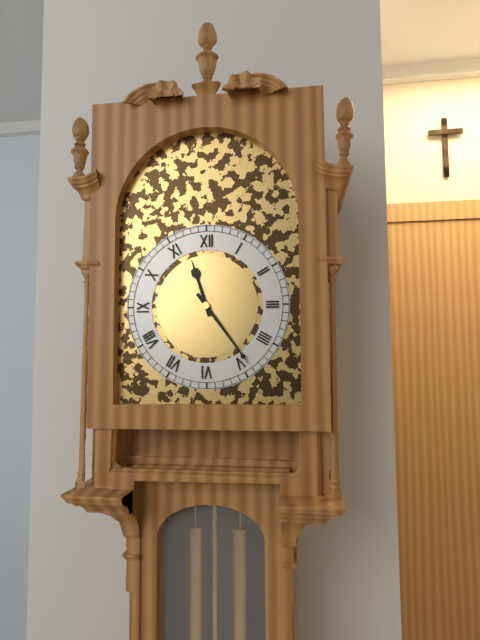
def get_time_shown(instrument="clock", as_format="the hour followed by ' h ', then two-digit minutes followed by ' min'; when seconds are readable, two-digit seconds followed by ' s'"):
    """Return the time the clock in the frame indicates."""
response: 11 h 24 min
